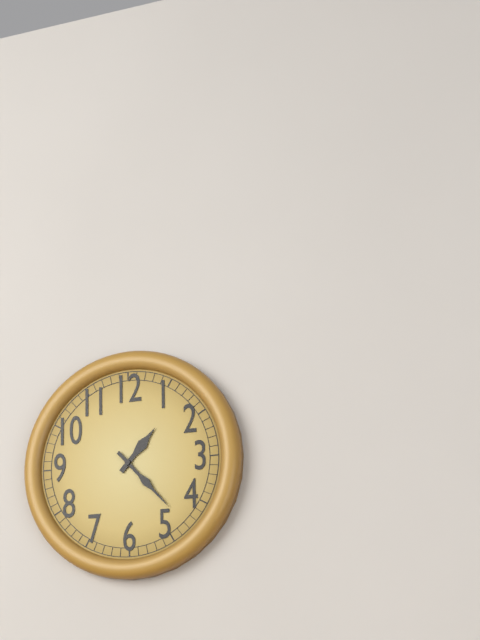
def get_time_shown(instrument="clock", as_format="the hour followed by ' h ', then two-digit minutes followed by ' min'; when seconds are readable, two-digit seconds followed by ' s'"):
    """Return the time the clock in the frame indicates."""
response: 1 h 23 min
